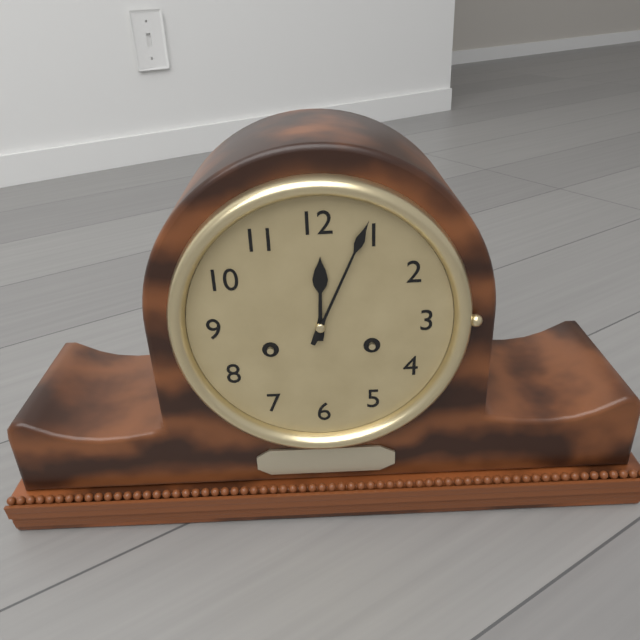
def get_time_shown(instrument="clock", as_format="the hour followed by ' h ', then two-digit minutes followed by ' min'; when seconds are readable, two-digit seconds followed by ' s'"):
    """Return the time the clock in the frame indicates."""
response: 12 h 04 min
